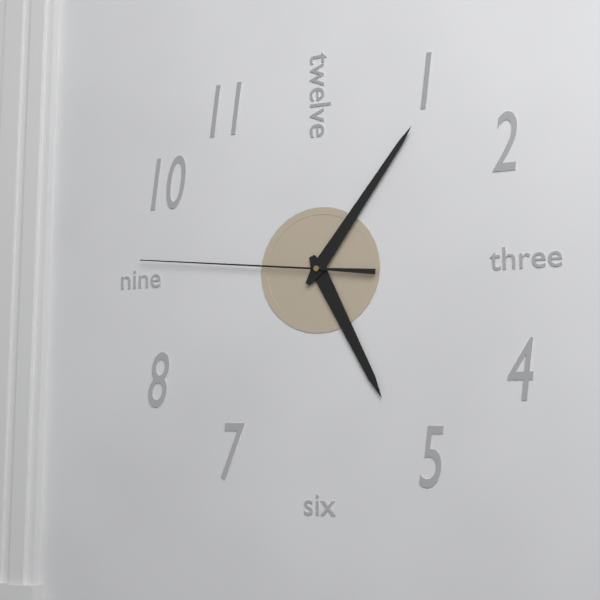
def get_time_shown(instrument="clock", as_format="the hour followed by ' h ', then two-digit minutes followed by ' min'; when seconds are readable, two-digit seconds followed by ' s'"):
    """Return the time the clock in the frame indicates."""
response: 5 h 06 min 46 s
